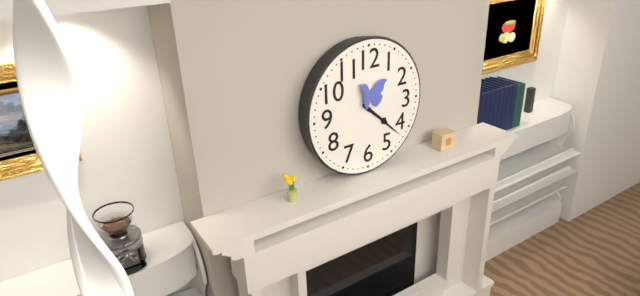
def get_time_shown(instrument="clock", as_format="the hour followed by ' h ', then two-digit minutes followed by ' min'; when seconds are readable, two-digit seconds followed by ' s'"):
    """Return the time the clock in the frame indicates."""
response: 4 h 22 min
